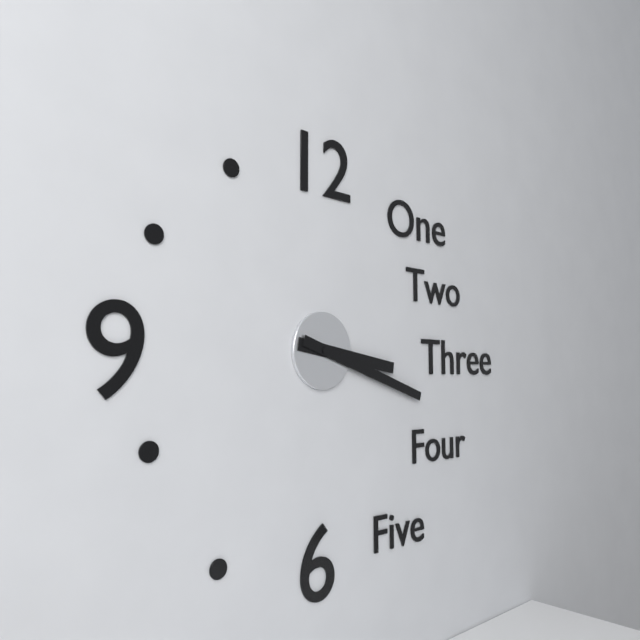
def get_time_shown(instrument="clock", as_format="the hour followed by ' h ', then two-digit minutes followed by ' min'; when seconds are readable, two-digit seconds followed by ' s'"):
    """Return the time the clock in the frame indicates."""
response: 3 h 18 min
